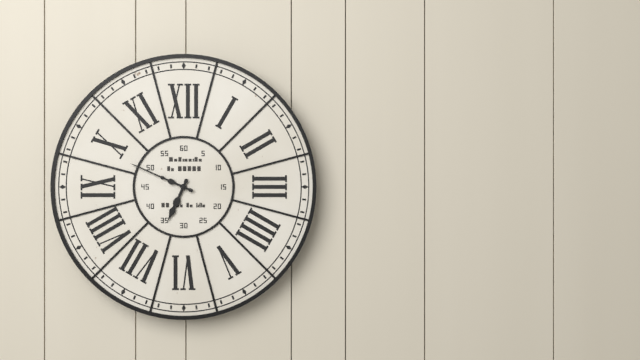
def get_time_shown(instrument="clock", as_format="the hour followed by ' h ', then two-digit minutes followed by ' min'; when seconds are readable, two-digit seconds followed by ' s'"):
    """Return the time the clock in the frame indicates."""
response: 6 h 49 min
